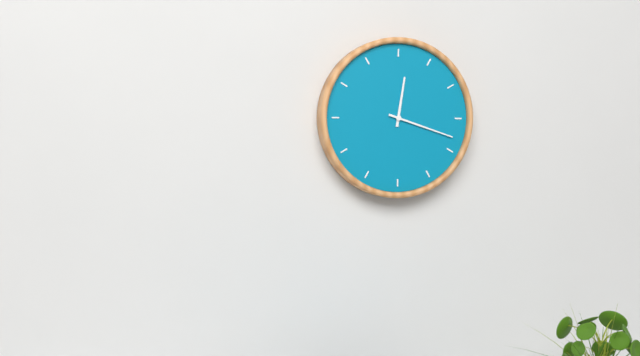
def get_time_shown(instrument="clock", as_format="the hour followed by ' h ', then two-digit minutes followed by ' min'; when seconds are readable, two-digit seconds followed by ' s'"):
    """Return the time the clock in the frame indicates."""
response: 12 h 18 min
